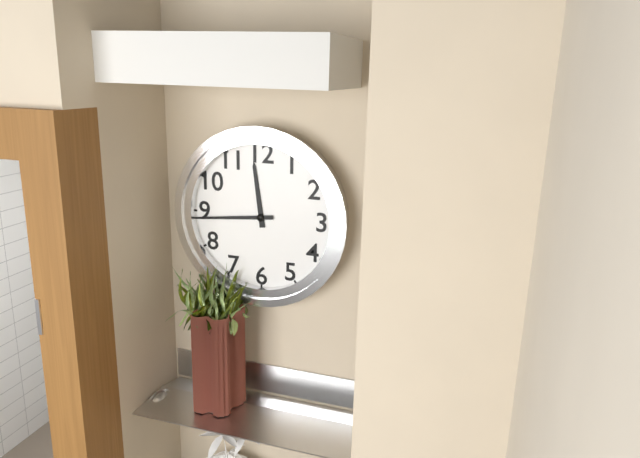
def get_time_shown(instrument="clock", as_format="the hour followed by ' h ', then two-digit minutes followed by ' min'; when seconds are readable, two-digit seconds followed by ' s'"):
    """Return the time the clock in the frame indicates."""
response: 11 h 44 min
